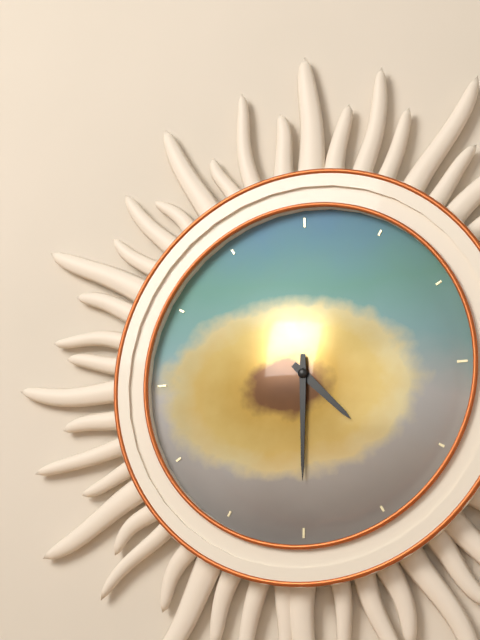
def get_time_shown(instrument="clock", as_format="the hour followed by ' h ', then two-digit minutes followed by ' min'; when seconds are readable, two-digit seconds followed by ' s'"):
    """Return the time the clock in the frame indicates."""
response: 4 h 30 min
